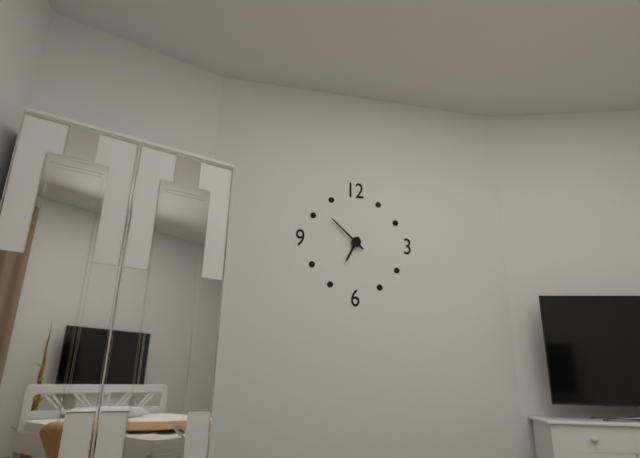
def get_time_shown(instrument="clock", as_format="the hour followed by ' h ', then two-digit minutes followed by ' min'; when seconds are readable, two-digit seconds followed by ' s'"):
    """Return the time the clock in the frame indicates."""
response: 6 h 52 min
